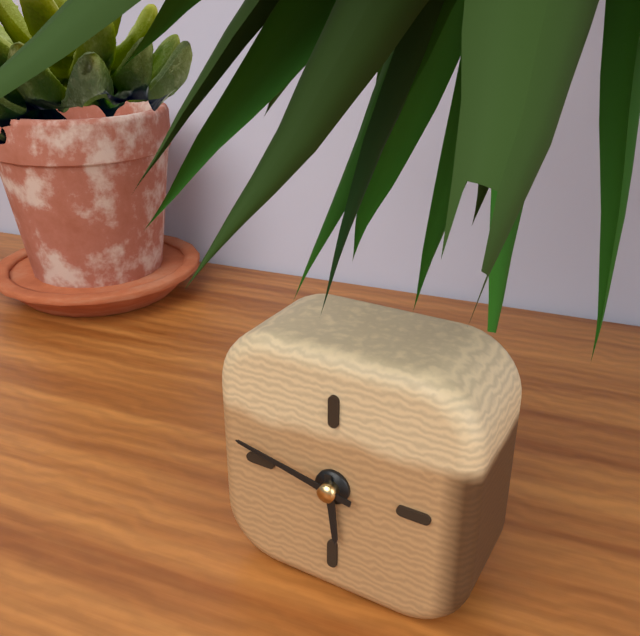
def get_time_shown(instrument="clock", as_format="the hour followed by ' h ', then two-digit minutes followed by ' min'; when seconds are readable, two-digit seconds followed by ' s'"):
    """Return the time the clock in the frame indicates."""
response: 5 h 47 min
